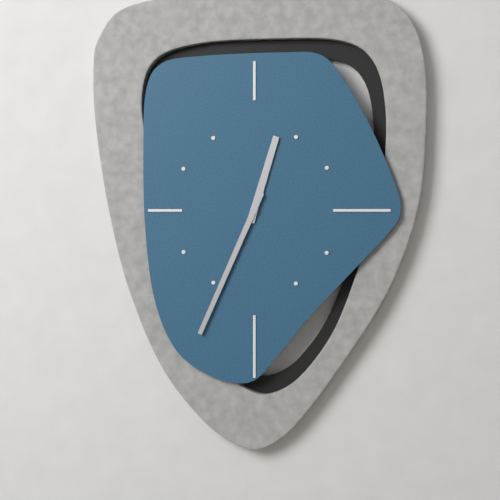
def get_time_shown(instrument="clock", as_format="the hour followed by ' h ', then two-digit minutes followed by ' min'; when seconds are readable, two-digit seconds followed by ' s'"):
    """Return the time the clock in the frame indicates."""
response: 12 h 34 min
